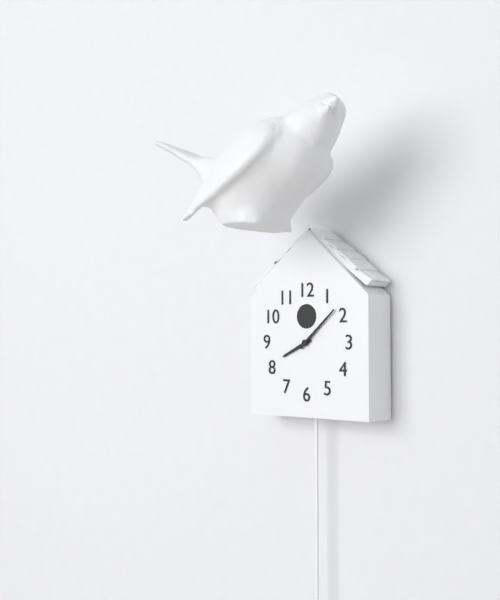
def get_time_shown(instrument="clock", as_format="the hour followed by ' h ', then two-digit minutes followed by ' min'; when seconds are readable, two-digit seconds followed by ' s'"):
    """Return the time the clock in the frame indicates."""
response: 8 h 08 min
